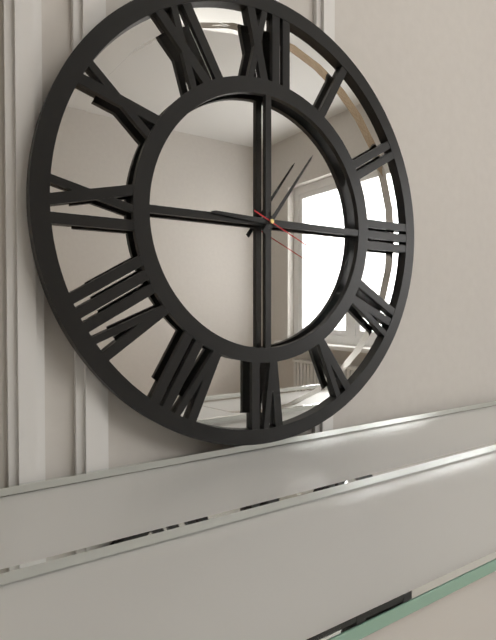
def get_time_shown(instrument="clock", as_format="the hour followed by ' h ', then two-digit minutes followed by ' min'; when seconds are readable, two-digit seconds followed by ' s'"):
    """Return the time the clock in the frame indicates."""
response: 9 h 06 min 19 s
